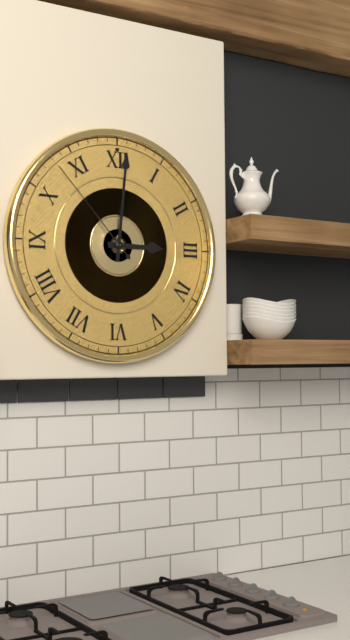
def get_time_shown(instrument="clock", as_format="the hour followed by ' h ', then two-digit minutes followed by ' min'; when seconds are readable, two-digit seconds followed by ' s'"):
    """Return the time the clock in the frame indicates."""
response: 3 h 01 min 53 s
